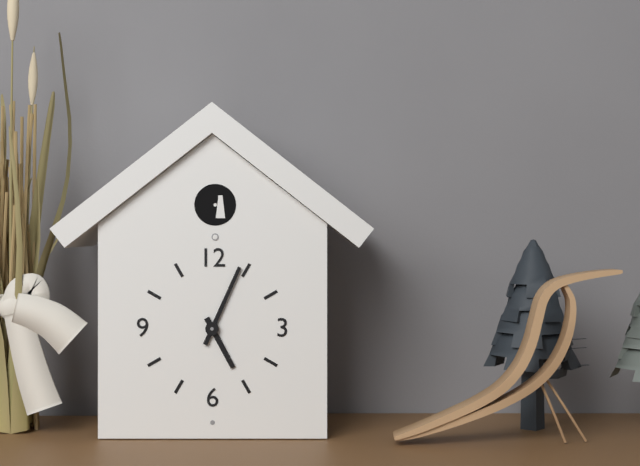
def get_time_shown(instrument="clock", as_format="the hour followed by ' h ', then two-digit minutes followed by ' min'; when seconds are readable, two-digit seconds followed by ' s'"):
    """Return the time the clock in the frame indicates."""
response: 5 h 04 min
